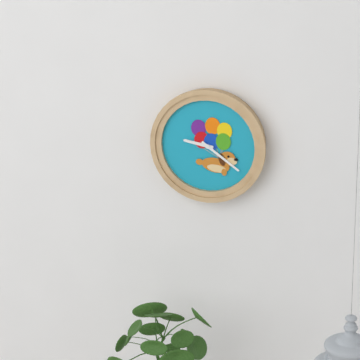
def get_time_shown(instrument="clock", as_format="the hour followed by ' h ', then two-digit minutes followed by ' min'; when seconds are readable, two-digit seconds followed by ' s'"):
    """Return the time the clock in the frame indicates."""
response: 9 h 21 min
